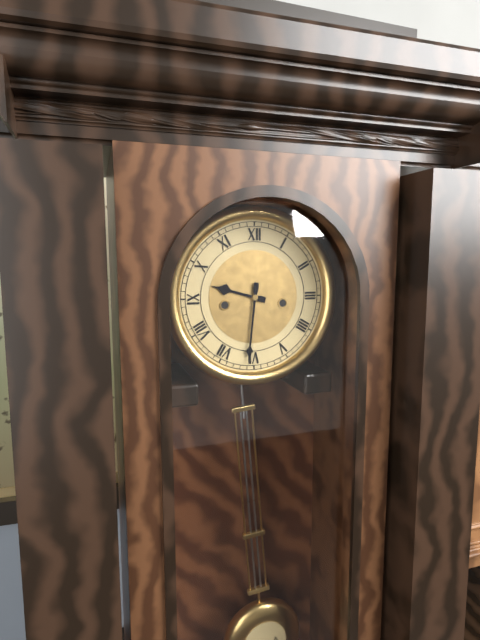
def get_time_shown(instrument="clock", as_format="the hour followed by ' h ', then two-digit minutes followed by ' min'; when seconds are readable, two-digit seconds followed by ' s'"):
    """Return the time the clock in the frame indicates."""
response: 9 h 31 min
